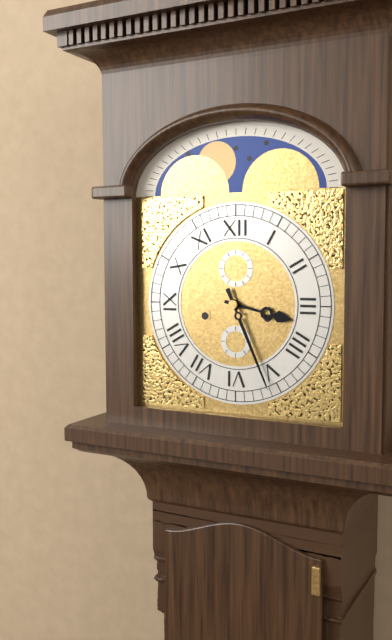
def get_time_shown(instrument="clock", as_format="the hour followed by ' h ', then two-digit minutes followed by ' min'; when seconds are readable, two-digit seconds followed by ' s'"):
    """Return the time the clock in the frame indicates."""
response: 3 h 26 min
